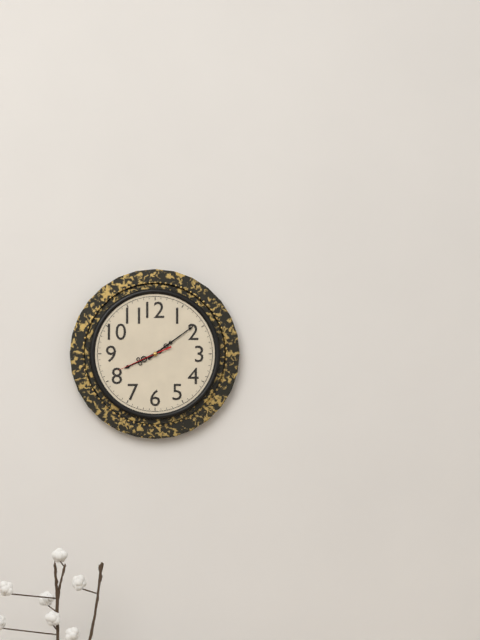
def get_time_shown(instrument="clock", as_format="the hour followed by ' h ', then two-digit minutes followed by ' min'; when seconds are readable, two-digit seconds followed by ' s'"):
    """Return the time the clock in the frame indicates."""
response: 8 h 09 min 41 s
